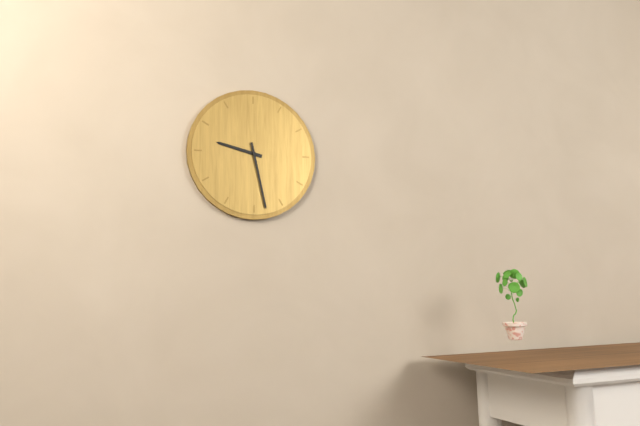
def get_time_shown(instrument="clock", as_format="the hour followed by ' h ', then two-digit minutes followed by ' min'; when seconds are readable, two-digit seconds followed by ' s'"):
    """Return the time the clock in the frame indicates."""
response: 9 h 28 min
